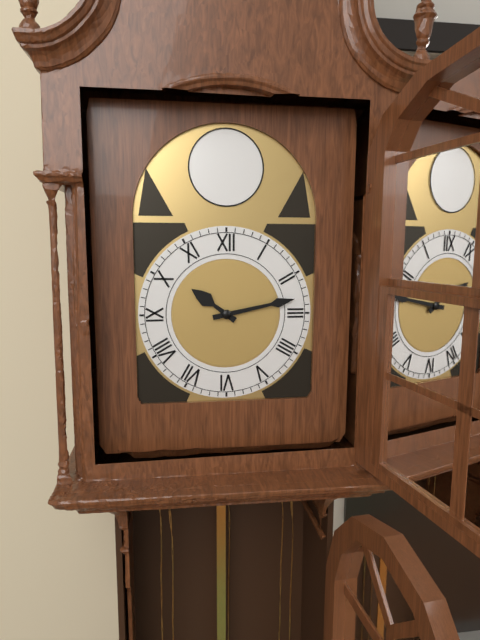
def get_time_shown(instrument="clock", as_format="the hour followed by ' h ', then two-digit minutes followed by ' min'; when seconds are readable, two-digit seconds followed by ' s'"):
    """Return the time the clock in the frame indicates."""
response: 10 h 13 min
